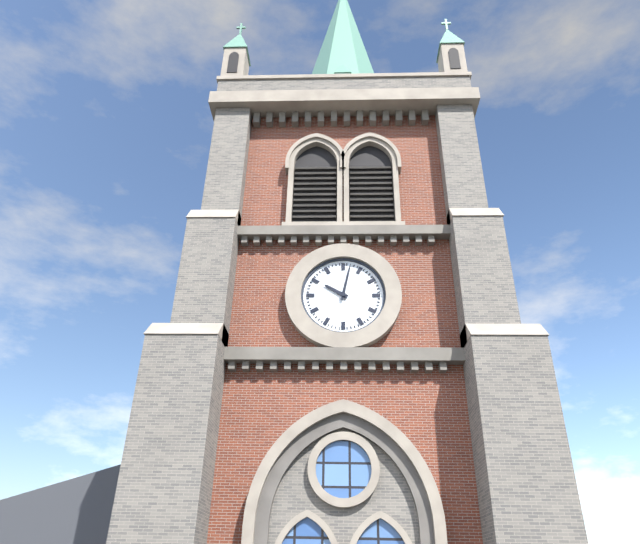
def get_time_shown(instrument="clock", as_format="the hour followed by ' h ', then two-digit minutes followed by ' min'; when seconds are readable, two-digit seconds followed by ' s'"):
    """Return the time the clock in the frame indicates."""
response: 10 h 02 min
